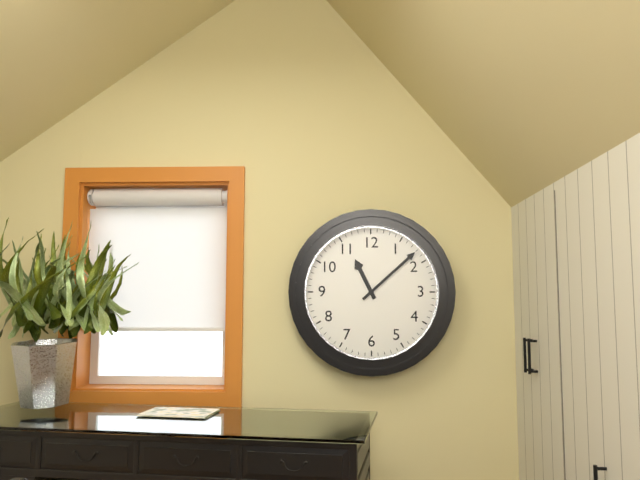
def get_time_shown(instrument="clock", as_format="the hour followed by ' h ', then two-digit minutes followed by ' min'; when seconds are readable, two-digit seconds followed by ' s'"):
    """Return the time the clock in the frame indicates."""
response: 11 h 08 min
